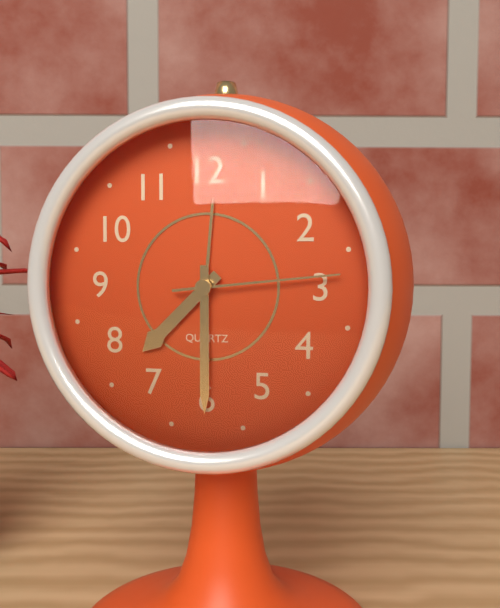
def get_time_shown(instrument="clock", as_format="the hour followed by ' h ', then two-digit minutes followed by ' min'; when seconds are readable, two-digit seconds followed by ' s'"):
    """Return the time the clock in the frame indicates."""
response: 7 h 30 min 14 s
